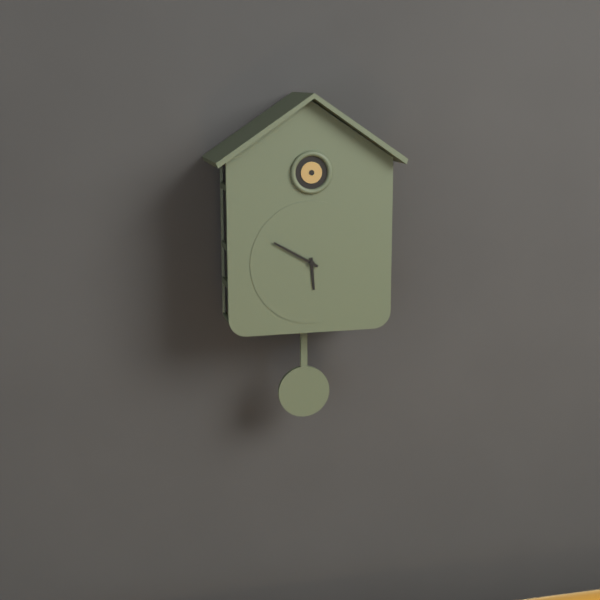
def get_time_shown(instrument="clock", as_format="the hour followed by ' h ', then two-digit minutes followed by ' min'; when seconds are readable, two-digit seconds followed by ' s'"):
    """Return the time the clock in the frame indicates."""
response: 5 h 50 min
